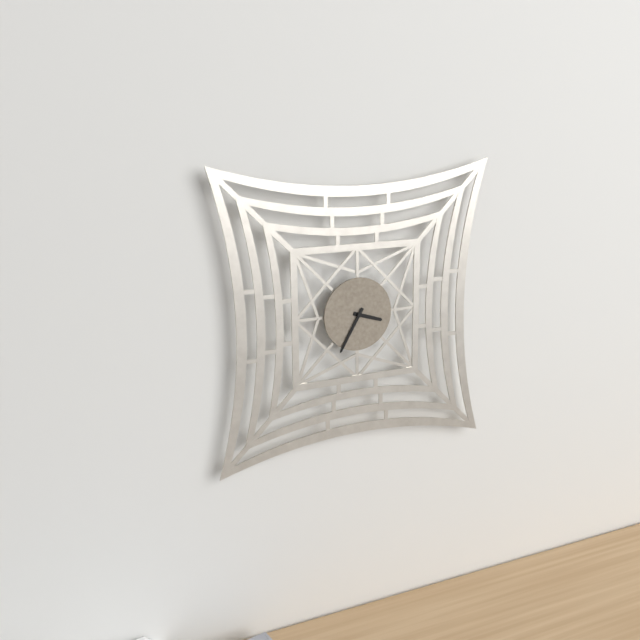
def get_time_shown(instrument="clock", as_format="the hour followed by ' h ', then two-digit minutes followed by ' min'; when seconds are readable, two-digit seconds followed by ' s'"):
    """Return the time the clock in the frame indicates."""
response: 3 h 35 min
